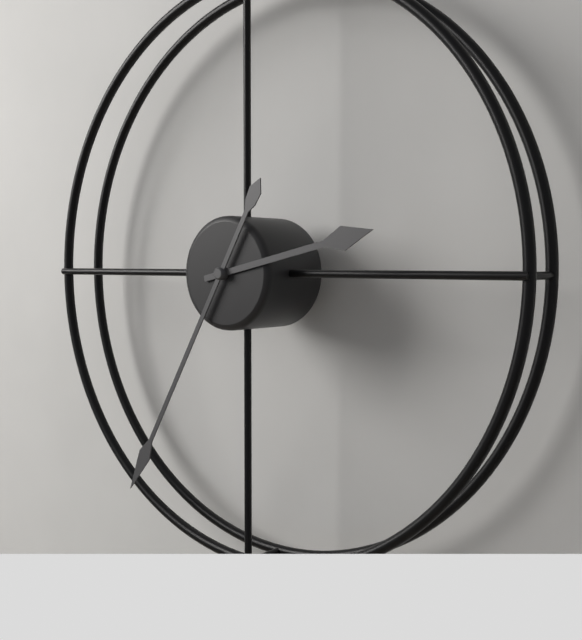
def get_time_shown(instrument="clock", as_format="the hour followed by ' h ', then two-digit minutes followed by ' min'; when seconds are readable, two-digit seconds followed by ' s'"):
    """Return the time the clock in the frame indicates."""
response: 2 h 35 min
